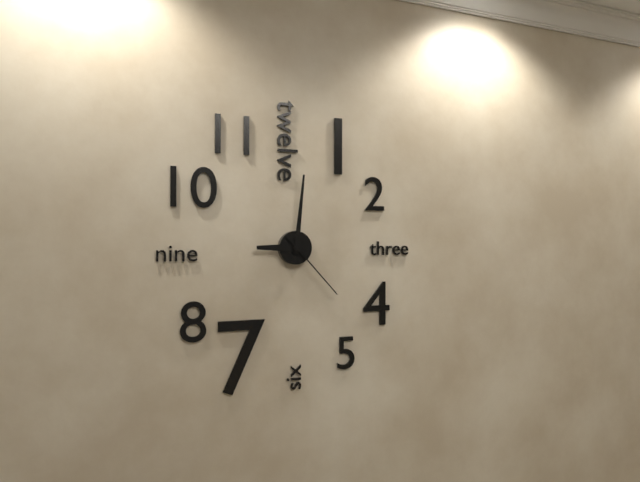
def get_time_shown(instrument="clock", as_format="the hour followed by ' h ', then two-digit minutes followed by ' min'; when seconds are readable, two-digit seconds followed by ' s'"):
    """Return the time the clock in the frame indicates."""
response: 9 h 01 min 23 s
